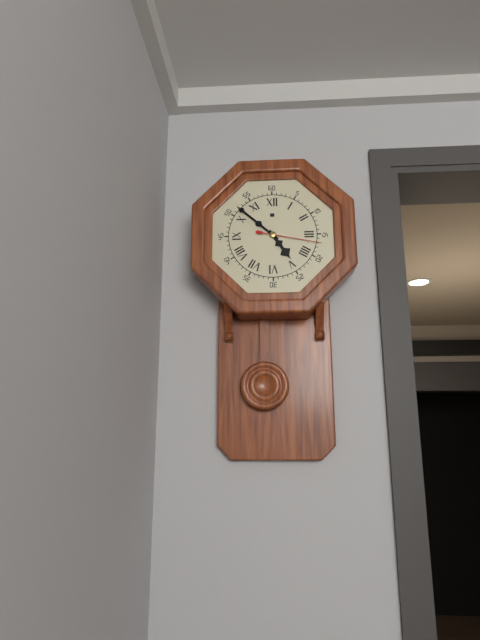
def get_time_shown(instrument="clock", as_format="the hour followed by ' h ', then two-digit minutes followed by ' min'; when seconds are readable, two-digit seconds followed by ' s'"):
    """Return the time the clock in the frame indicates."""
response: 4 h 52 min 17 s
